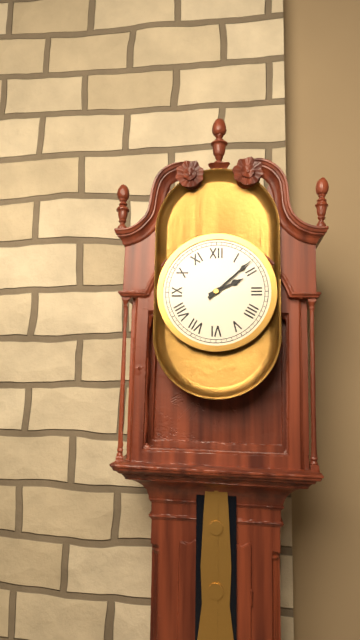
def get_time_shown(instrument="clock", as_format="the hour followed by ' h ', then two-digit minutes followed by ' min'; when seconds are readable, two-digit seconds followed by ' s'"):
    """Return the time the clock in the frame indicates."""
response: 2 h 08 min
